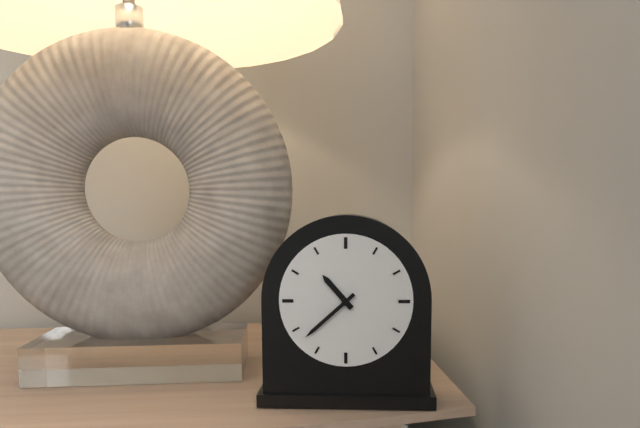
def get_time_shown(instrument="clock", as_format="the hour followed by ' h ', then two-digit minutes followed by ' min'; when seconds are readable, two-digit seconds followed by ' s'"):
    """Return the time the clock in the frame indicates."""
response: 10 h 38 min
